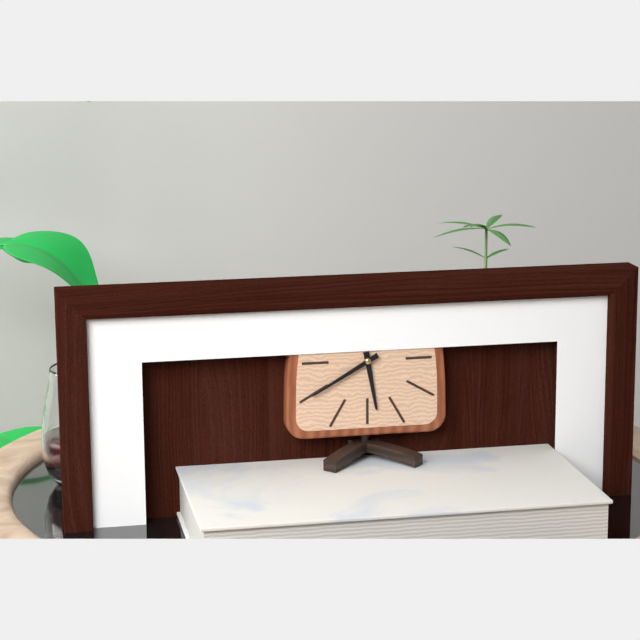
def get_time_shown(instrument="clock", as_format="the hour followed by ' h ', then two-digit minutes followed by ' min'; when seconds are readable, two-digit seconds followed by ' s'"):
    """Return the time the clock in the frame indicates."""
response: 5 h 40 min
